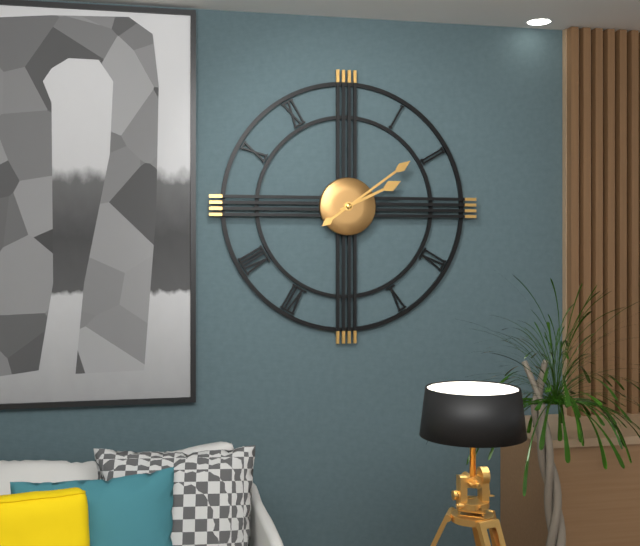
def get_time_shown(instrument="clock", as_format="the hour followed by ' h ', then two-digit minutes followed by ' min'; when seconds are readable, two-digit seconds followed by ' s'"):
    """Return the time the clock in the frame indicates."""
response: 2 h 09 min
